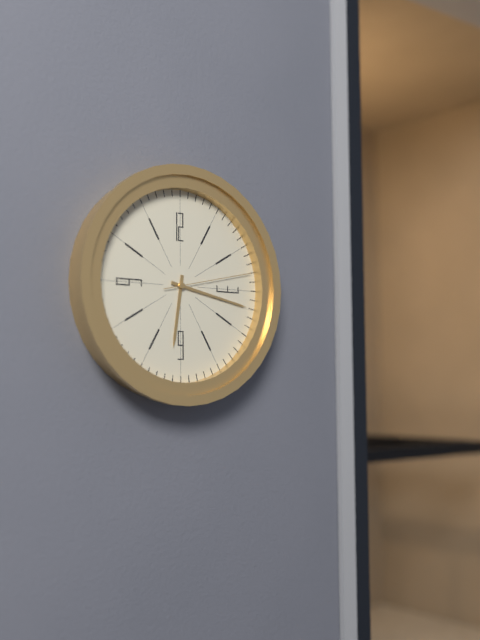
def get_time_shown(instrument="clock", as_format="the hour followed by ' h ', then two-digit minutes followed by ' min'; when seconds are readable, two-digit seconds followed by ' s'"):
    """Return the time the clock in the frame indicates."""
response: 6 h 17 min 13 s
